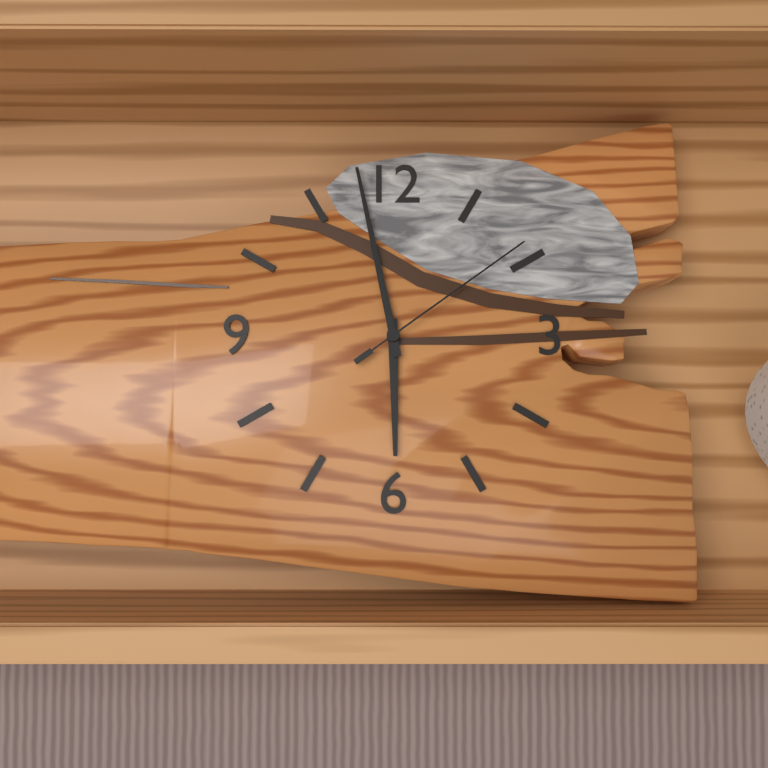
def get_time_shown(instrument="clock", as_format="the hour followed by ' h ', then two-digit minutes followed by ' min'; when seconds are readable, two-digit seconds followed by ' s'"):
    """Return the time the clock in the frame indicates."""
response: 5 h 58 min 09 s
